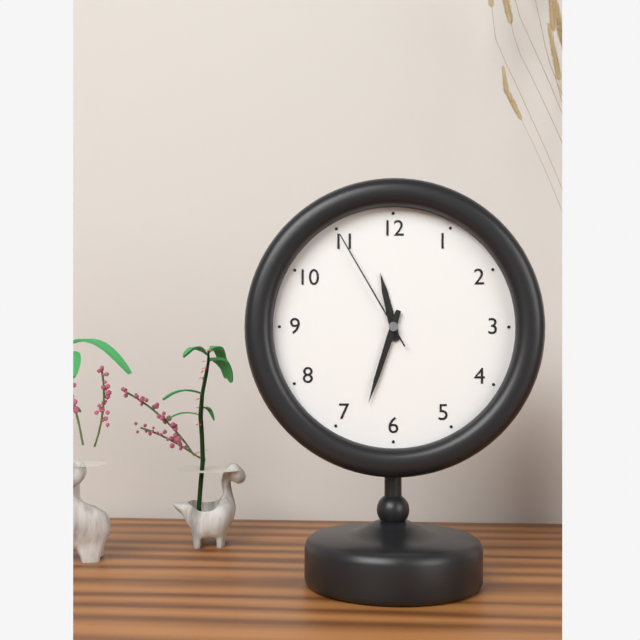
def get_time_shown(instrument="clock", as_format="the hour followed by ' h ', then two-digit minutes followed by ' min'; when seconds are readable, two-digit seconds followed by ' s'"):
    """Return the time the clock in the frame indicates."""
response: 11 h 33 min 55 s
